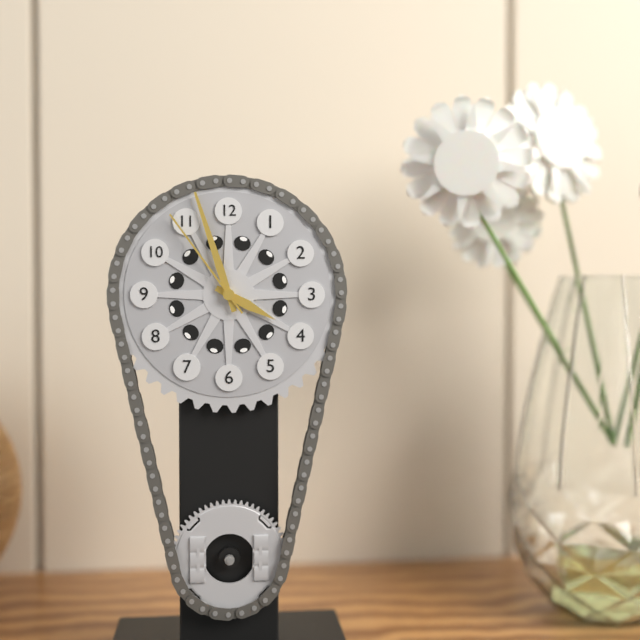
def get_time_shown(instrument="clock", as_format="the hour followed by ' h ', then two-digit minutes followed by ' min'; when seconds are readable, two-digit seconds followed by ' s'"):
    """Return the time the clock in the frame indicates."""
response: 3 h 57 min 54 s
